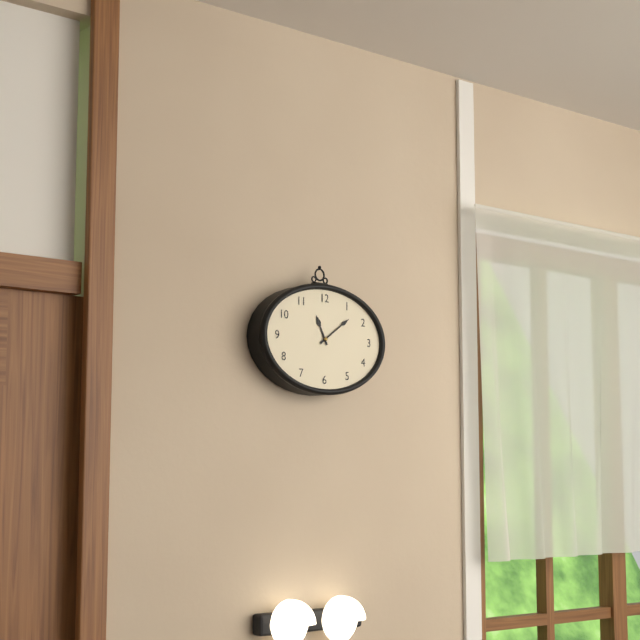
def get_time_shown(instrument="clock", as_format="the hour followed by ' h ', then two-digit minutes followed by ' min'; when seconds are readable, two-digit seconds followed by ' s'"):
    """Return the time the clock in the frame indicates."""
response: 11 h 09 min
